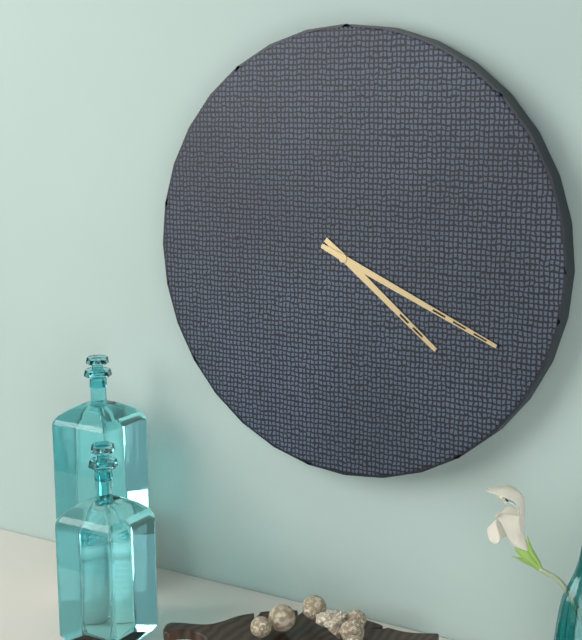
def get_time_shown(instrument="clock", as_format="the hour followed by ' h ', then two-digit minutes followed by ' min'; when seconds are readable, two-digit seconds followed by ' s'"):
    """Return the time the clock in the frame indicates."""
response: 4 h 19 min
